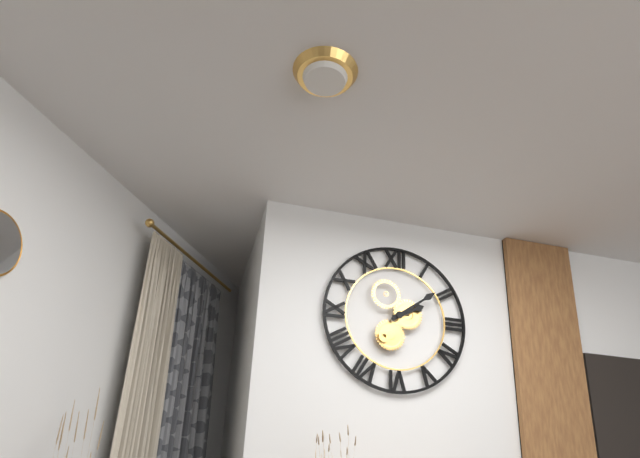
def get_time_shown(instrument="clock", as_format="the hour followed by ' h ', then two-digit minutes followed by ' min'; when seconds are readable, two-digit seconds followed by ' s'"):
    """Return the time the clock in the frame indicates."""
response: 2 h 09 min
